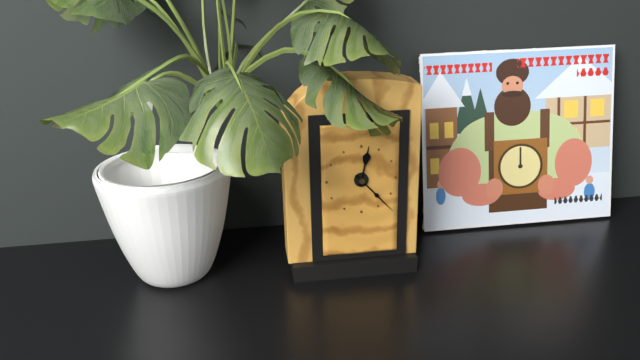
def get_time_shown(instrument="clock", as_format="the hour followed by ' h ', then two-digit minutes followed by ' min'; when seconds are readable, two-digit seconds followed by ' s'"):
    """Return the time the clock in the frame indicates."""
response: 12 h 23 min
